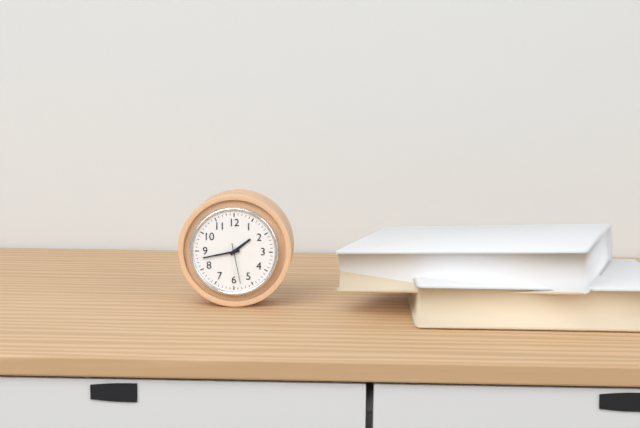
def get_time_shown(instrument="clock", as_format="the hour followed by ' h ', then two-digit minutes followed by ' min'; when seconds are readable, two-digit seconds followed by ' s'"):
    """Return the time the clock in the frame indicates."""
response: 1 h 43 min
